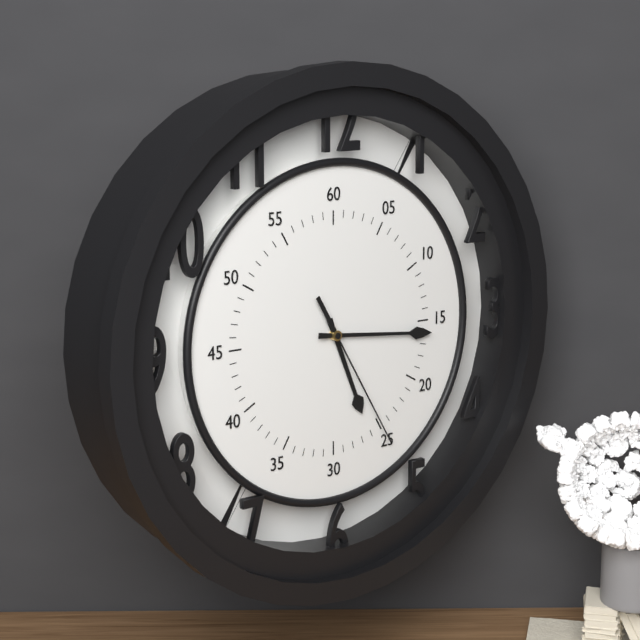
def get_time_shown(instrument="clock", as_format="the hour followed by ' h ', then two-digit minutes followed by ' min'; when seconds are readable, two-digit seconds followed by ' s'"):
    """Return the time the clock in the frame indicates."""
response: 5 h 16 min 25 s
